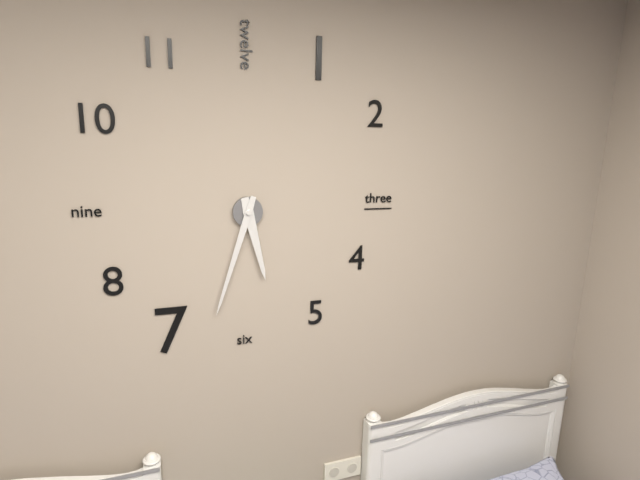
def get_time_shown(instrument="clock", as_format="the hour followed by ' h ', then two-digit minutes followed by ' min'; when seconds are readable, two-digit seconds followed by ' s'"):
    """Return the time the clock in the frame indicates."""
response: 5 h 33 min
